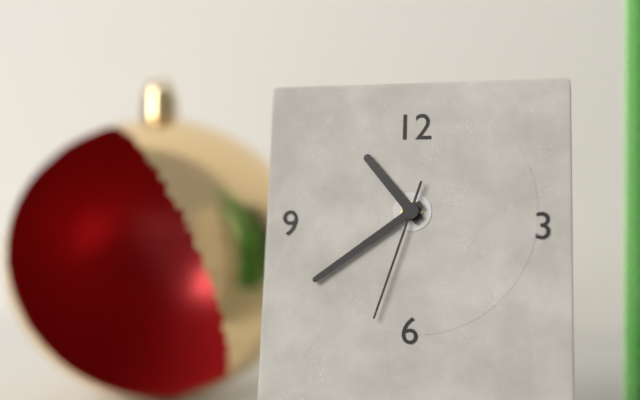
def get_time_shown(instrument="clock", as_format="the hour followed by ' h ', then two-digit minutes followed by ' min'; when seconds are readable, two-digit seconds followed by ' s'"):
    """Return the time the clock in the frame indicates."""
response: 10 h 39 min 33 s
